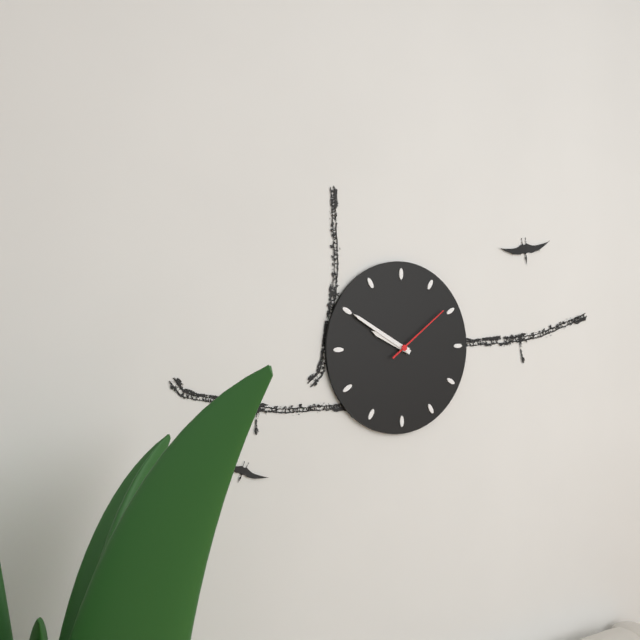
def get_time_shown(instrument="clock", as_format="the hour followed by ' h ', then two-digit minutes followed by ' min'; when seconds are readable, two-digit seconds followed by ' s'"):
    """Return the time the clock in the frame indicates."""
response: 9 h 50 min 09 s
